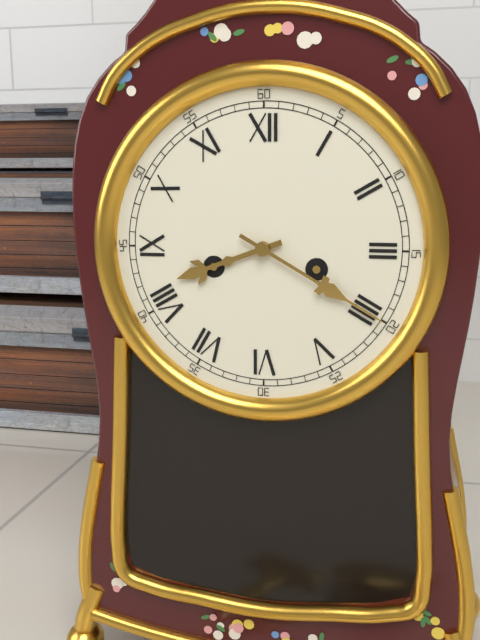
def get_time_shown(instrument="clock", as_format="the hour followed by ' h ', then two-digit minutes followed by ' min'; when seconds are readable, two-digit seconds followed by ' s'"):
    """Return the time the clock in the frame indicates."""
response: 8 h 20 min
